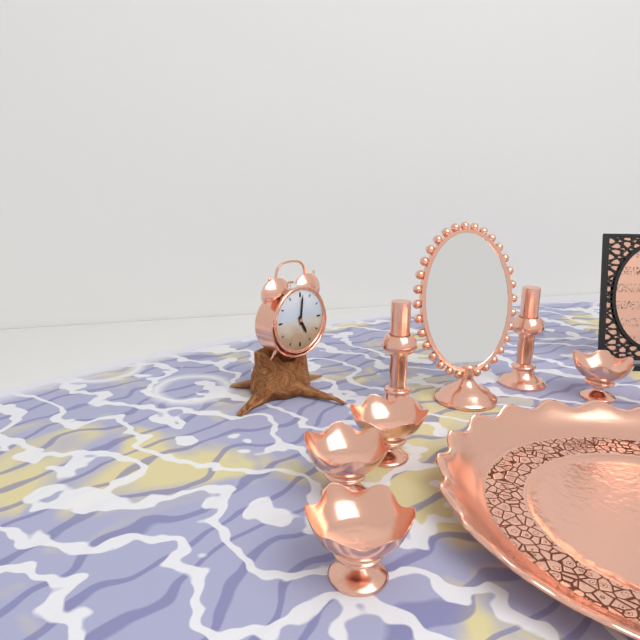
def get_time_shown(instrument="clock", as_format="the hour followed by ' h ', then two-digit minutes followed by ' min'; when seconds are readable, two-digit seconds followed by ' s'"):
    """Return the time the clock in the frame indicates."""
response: 5 h 01 min
